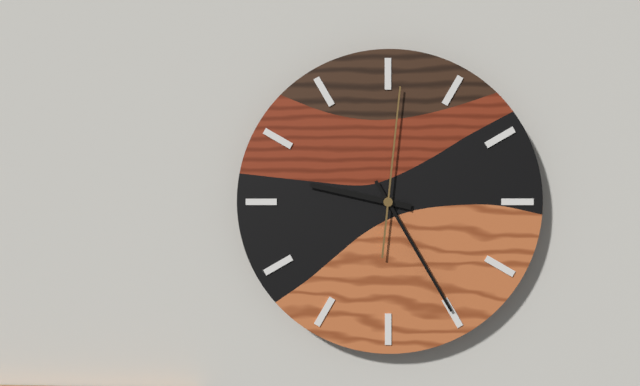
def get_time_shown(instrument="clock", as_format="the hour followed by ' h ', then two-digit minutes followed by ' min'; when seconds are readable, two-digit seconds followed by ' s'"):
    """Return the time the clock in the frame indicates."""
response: 9 h 25 min 01 s
